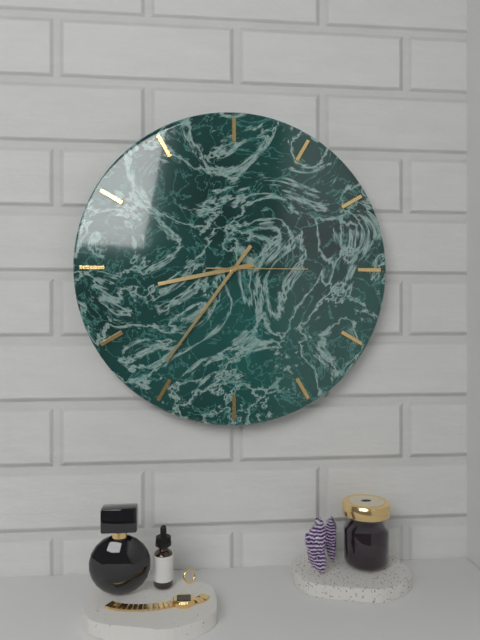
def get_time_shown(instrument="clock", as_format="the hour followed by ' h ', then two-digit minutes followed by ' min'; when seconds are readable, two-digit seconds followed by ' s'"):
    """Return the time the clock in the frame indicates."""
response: 8 h 36 min 15 s
